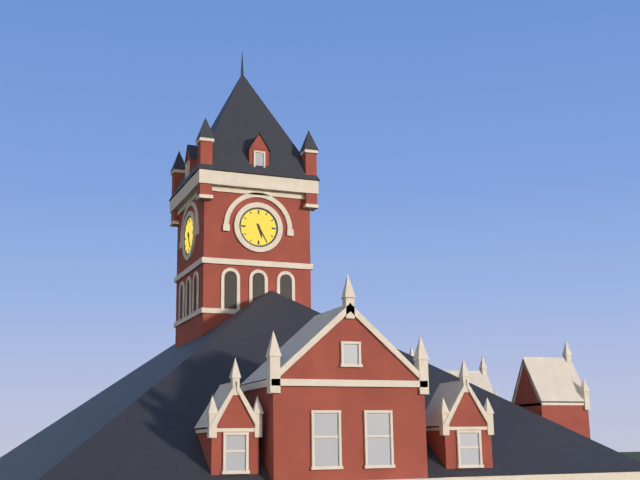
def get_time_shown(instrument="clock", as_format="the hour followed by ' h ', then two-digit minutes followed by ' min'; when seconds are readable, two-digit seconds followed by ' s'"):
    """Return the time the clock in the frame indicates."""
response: 5 h 25 min
